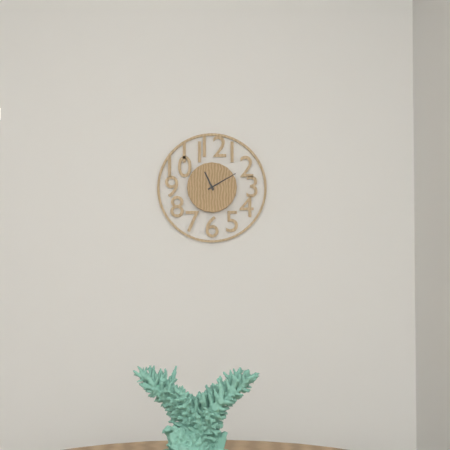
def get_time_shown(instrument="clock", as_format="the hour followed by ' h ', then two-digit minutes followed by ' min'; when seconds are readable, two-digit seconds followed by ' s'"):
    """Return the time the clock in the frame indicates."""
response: 11 h 10 min
